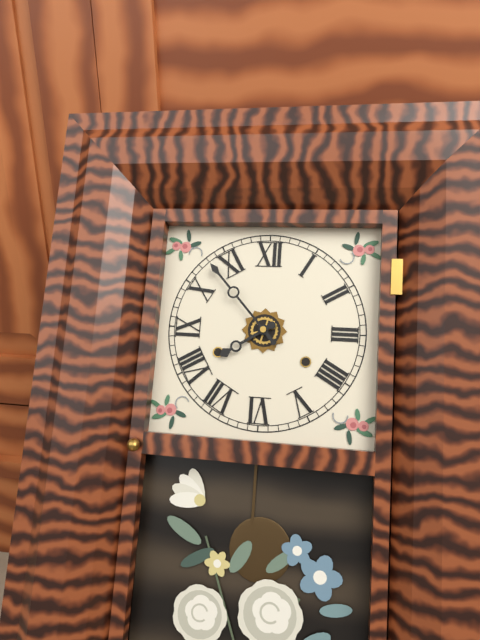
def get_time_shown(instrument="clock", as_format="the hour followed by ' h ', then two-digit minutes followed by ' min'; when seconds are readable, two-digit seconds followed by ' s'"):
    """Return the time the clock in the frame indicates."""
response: 7 h 53 min
